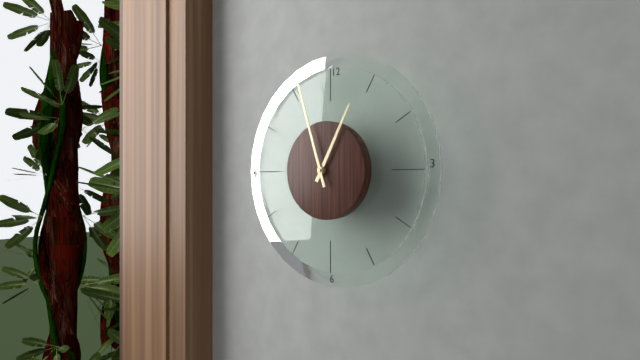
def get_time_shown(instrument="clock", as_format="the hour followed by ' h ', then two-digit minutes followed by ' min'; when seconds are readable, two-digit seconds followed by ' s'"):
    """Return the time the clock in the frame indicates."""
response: 12 h 57 min
